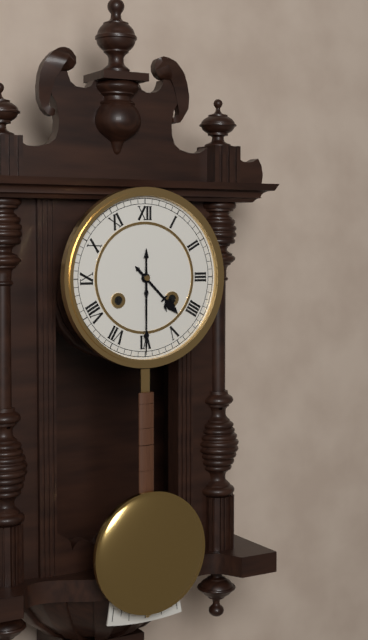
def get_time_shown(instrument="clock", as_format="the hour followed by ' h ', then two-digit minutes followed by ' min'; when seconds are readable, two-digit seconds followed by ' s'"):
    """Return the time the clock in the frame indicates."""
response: 4 h 30 min
